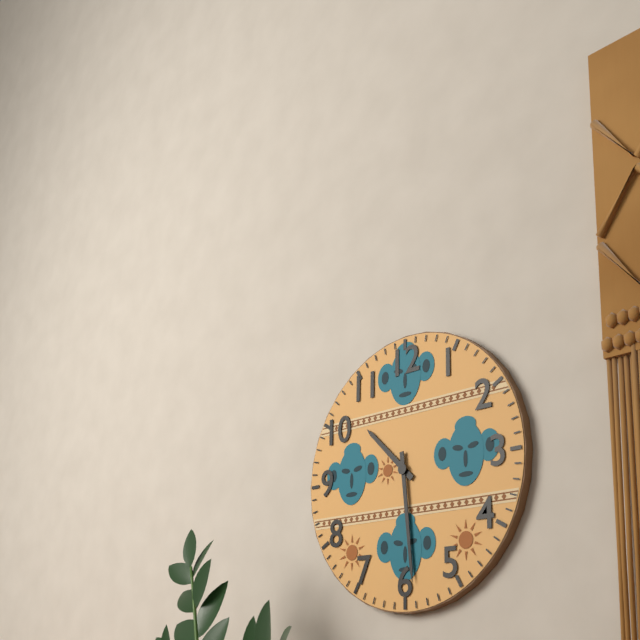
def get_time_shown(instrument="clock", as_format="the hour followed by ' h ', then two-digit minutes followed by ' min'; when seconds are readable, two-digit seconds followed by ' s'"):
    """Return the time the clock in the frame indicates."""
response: 10 h 29 min
